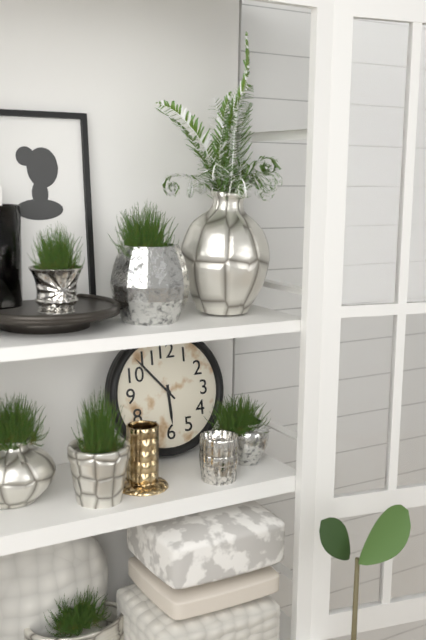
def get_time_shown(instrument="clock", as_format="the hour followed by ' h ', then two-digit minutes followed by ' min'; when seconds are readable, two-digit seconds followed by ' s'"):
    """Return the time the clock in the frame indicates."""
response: 5 h 53 min
